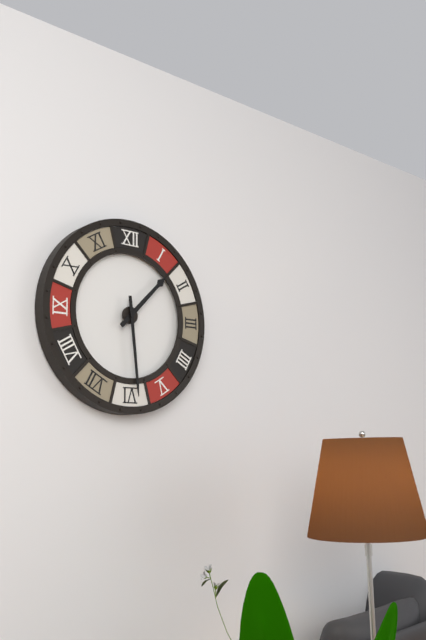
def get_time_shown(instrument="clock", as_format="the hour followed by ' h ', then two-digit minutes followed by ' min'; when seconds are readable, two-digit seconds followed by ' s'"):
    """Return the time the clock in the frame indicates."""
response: 1 h 29 min
